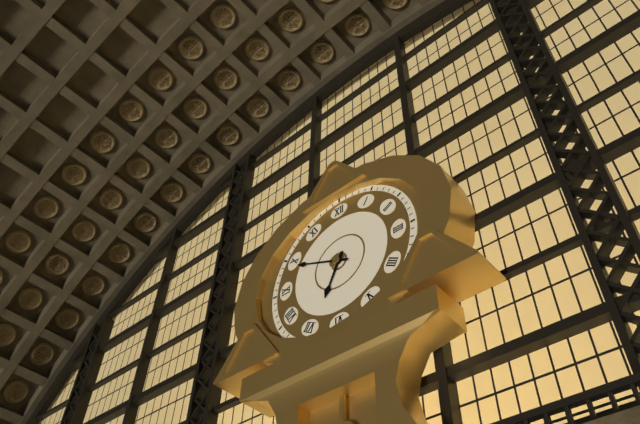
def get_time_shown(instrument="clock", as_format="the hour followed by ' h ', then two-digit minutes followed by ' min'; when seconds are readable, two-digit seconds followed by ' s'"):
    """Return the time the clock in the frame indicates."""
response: 6 h 49 min
